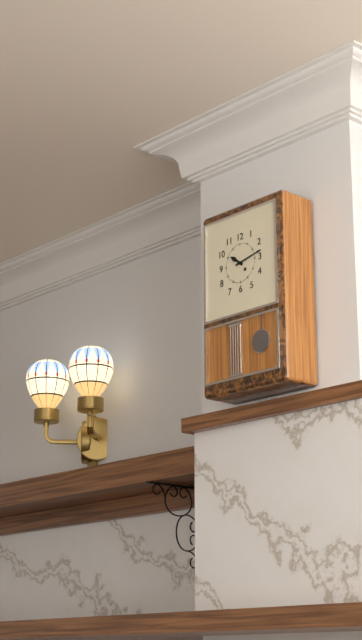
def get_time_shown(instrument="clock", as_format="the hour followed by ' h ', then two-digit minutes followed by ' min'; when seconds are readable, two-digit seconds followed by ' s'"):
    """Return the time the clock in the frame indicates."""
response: 10 h 13 min
